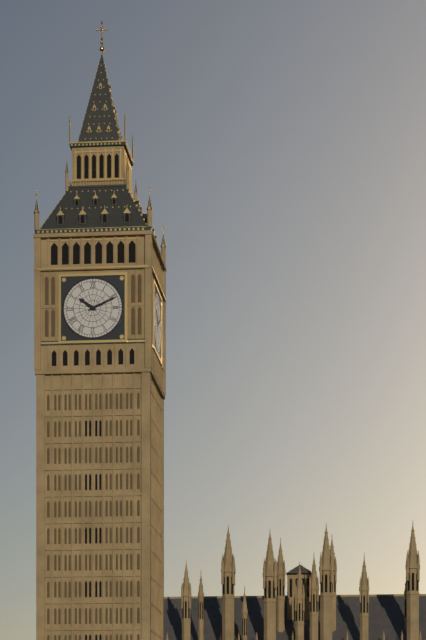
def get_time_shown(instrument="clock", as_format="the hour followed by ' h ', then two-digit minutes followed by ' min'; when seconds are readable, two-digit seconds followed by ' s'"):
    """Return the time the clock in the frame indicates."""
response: 10 h 11 min
